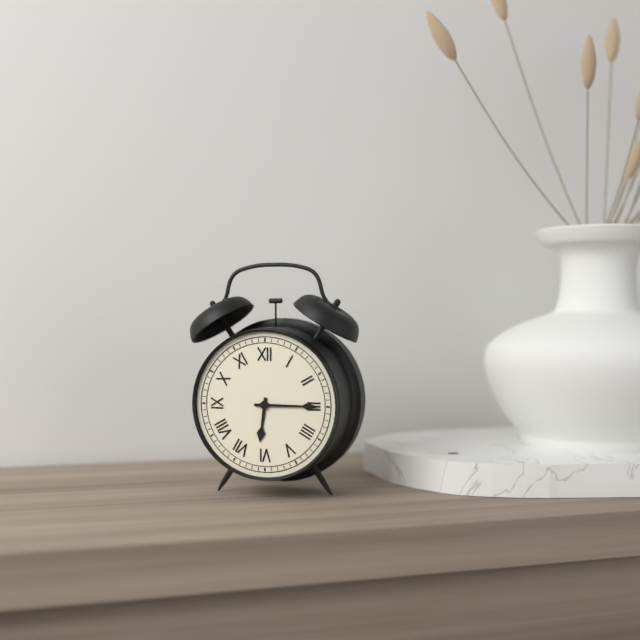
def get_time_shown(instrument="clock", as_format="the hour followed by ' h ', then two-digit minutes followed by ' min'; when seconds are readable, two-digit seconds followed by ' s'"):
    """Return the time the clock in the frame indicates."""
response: 6 h 15 min
